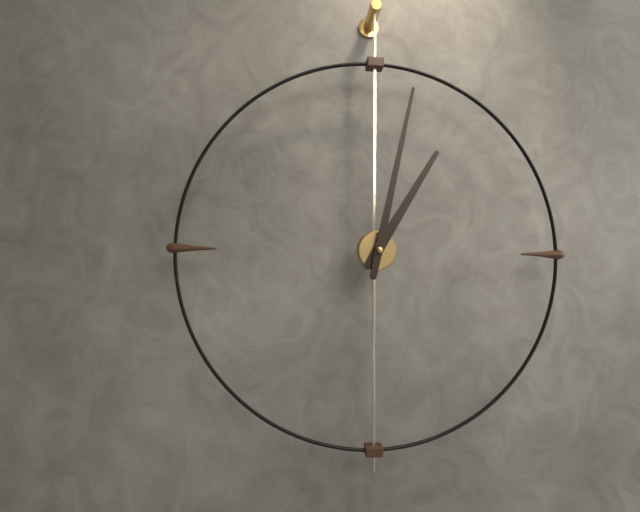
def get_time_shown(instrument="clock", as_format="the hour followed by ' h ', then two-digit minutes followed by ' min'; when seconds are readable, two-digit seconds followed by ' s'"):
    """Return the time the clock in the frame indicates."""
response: 1 h 02 min
